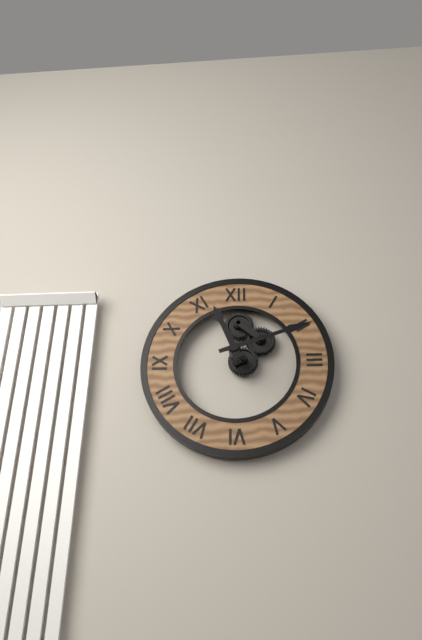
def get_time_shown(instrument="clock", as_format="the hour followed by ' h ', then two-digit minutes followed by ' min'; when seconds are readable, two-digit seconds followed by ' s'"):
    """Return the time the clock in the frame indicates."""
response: 11 h 12 min
